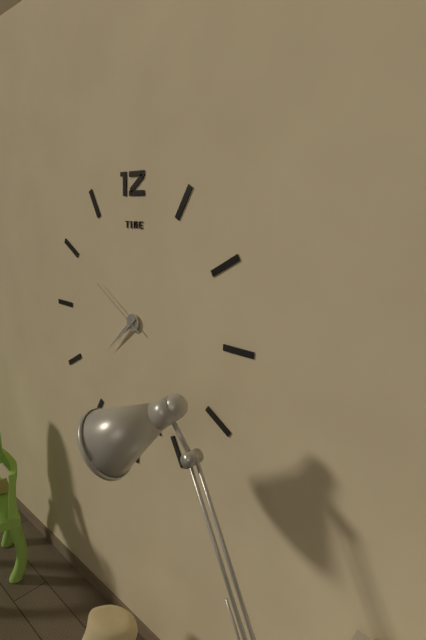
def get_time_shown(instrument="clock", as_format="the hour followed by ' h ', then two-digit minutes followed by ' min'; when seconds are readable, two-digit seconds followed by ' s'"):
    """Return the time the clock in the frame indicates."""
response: 7 h 38 min 50 s
